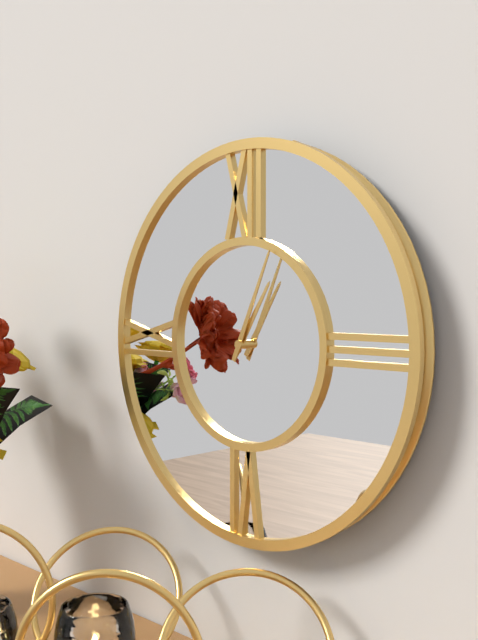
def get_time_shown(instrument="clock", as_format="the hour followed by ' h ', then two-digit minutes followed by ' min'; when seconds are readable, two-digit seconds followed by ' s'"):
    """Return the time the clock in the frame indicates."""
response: 1 h 04 min
